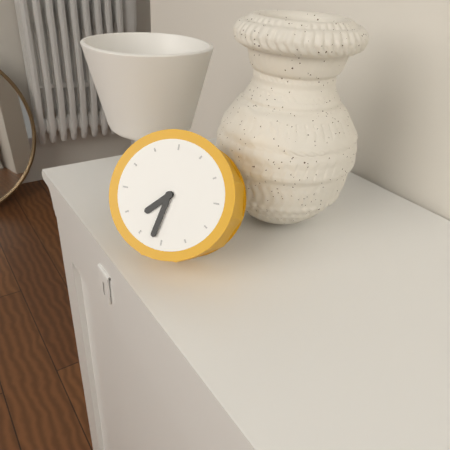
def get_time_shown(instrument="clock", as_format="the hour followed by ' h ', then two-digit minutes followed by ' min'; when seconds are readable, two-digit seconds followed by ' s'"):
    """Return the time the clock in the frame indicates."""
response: 7 h 32 min
